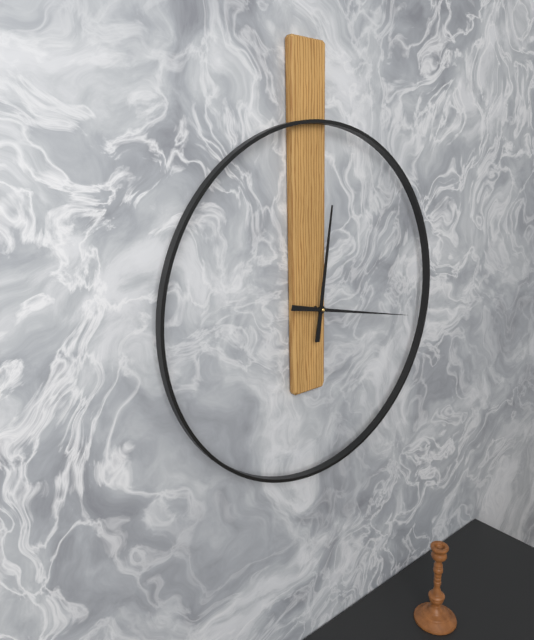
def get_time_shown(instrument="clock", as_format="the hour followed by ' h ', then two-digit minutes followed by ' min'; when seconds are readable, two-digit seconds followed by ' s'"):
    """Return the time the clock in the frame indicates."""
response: 12 h 17 min
